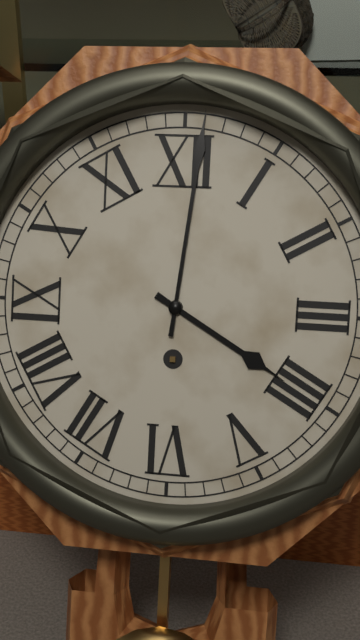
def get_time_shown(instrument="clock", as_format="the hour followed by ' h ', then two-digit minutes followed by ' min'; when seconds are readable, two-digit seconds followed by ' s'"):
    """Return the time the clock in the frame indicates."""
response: 4 h 01 min
